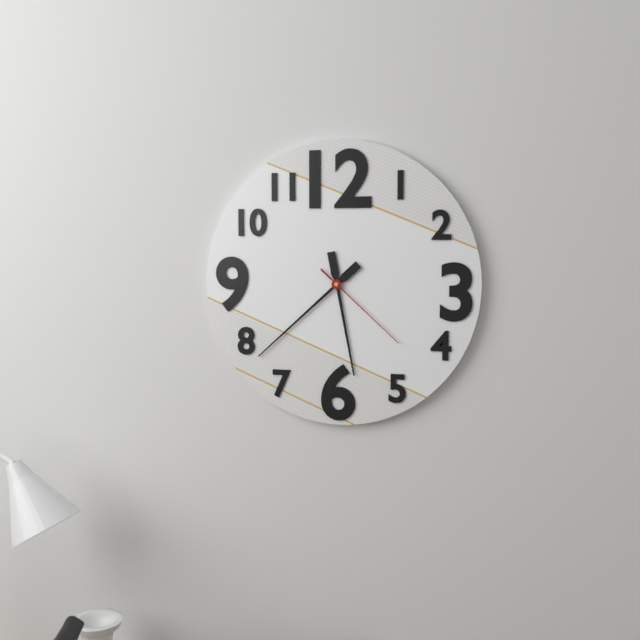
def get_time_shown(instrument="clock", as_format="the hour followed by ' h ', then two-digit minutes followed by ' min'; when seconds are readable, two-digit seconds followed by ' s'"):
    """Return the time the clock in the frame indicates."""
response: 5 h 38 min 22 s
